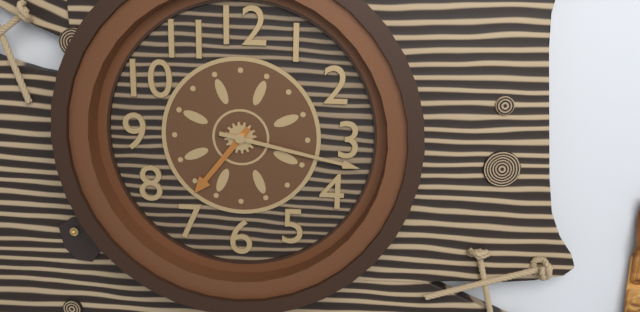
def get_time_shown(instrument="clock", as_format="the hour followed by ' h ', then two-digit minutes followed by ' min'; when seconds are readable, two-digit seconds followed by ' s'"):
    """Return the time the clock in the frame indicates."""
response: 7 h 17 min
